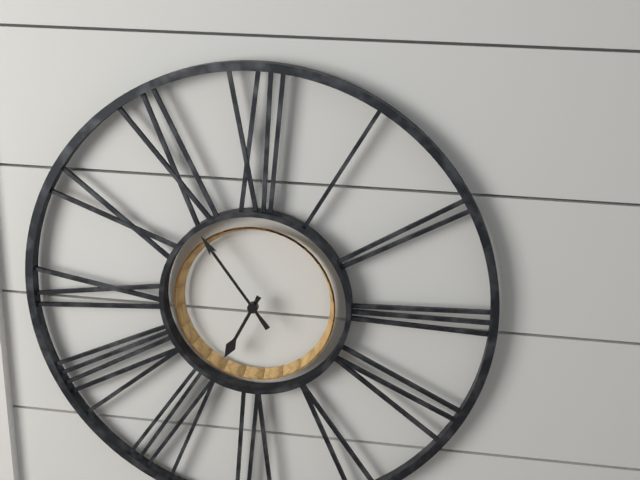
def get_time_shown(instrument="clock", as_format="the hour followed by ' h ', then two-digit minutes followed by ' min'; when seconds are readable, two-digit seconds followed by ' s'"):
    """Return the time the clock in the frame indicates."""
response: 6 h 54 min
